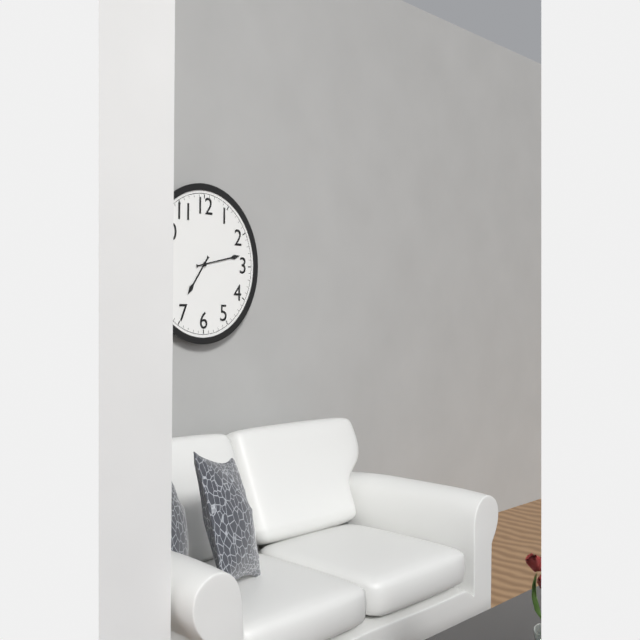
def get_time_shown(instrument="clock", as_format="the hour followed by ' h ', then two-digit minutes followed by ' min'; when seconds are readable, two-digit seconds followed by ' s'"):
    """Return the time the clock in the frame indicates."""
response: 7 h 13 min
